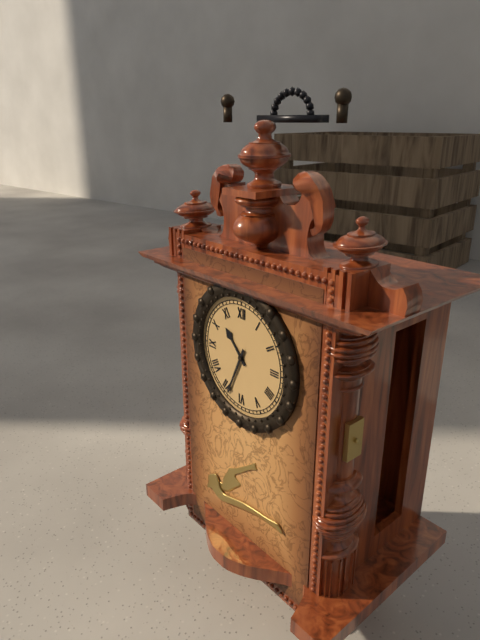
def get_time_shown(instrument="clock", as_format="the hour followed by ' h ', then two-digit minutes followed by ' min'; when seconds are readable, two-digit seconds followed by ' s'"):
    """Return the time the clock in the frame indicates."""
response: 10 h 34 min
